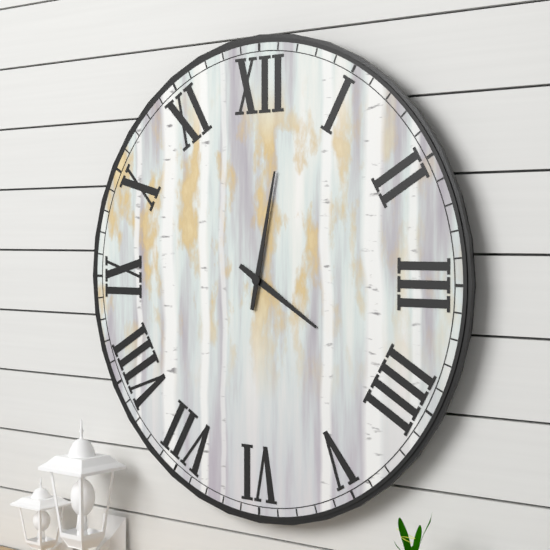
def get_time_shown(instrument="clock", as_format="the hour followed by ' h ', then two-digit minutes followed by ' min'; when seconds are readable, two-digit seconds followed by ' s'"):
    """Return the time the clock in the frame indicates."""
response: 4 h 02 min
